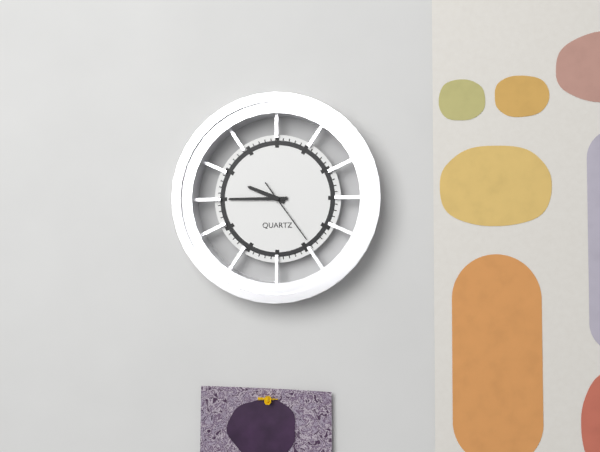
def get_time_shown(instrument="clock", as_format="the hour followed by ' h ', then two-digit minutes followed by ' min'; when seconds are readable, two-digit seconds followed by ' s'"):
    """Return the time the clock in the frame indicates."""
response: 9 h 45 min 24 s
